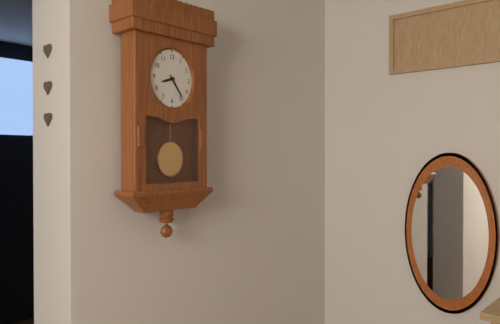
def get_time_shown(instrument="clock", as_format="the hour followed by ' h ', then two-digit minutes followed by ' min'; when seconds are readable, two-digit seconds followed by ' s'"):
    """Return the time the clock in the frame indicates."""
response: 8 h 24 min
